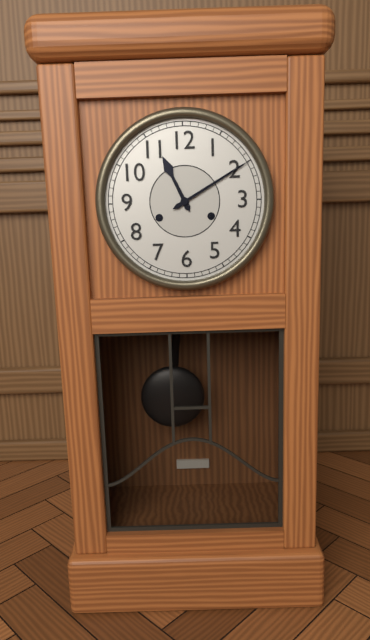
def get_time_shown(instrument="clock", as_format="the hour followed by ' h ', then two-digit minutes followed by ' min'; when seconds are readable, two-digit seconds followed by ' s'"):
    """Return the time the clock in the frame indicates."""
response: 11 h 10 min
